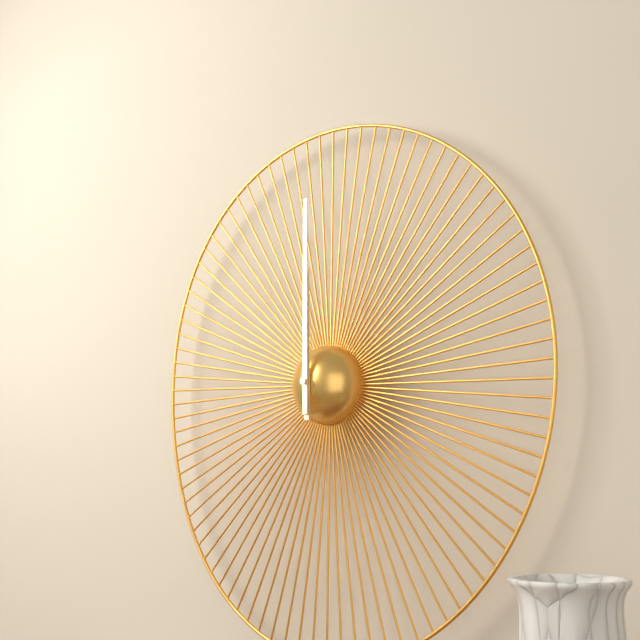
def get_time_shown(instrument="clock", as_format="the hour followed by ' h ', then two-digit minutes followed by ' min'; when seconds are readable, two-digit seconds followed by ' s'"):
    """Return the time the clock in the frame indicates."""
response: 12 h 00 min
